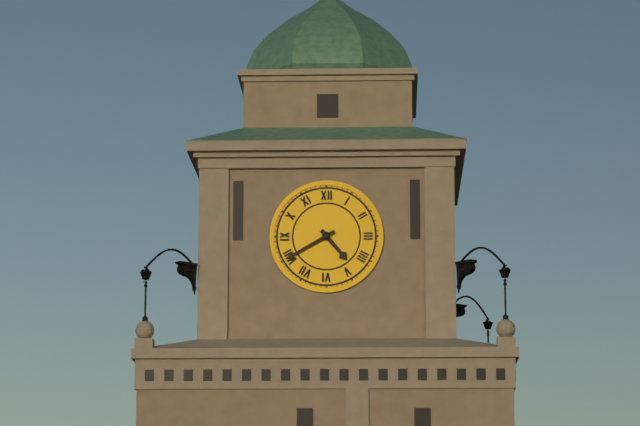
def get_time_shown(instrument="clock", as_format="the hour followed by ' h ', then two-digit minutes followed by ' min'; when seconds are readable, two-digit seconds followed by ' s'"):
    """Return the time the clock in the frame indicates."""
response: 4 h 40 min
